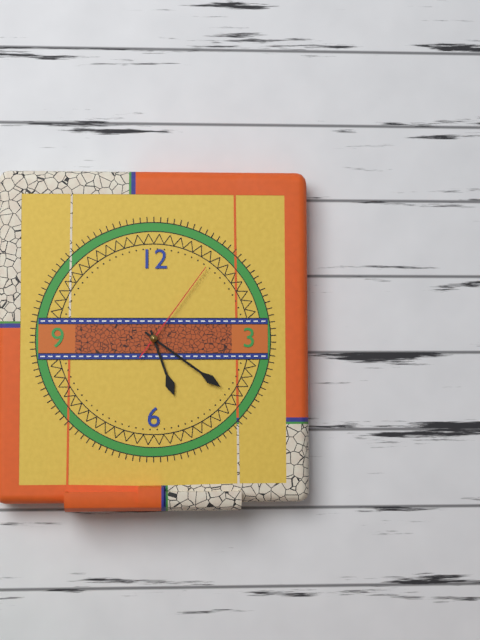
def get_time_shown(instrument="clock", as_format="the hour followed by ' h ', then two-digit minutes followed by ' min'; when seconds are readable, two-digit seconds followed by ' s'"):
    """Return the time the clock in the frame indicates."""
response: 5 h 21 min 06 s
